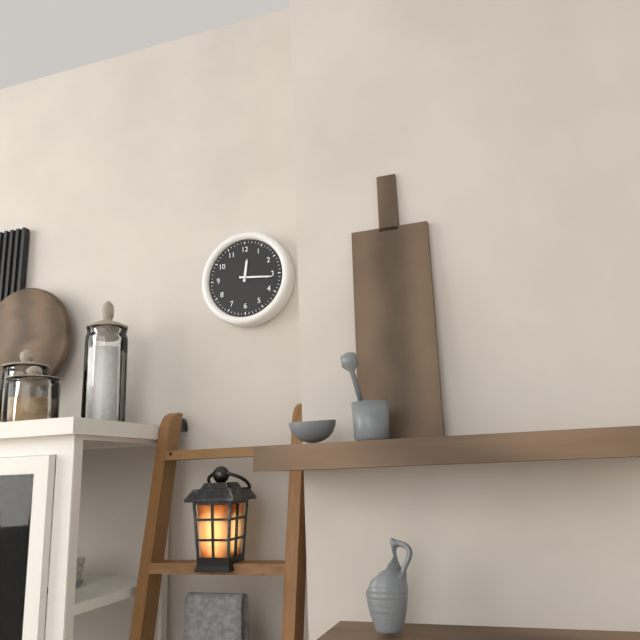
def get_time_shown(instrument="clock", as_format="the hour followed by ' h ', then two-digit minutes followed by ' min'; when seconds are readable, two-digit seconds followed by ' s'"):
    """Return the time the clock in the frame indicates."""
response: 12 h 16 min
